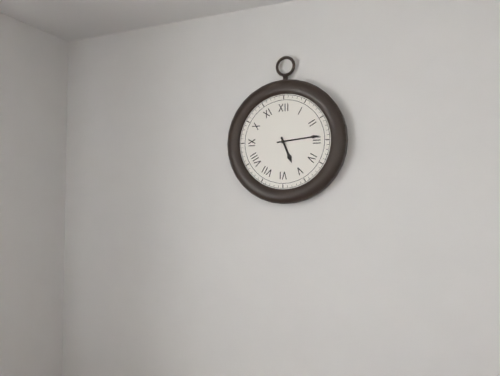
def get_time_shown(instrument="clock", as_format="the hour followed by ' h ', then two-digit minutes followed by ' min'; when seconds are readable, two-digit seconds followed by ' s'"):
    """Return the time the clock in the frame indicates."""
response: 5 h 14 min
